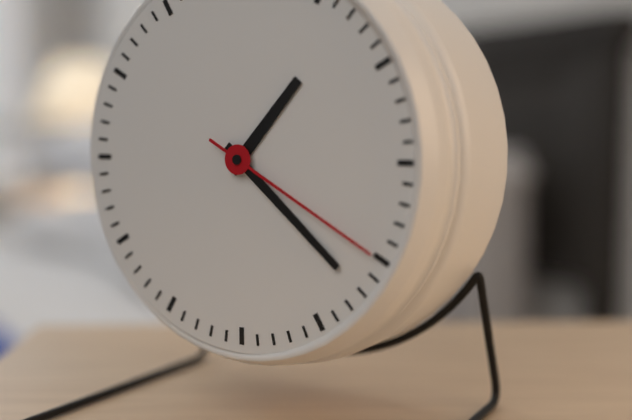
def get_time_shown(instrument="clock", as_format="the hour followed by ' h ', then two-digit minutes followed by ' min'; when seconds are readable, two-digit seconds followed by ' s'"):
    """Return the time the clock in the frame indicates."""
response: 1 h 22 min 20 s
